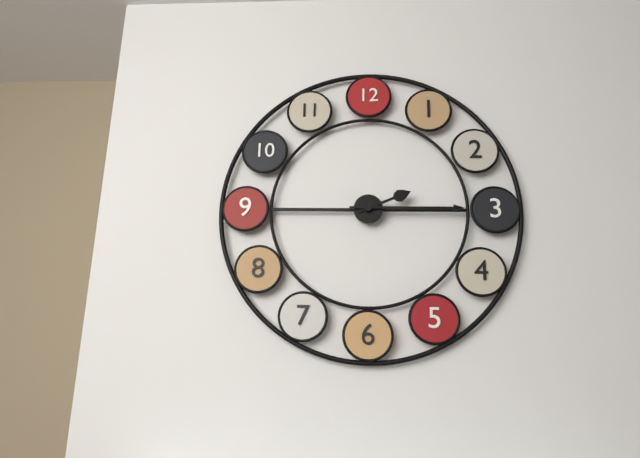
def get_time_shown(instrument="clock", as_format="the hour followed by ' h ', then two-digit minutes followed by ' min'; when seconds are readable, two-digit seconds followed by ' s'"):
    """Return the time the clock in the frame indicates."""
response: 2 h 15 min
